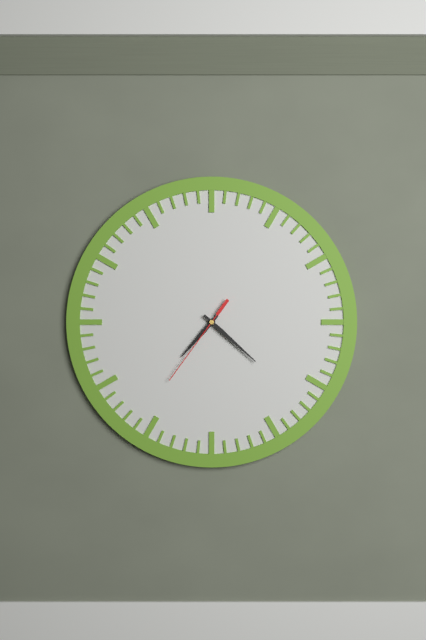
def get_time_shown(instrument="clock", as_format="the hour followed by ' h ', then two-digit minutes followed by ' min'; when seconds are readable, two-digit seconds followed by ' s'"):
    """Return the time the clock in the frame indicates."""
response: 7 h 22 min 36 s
